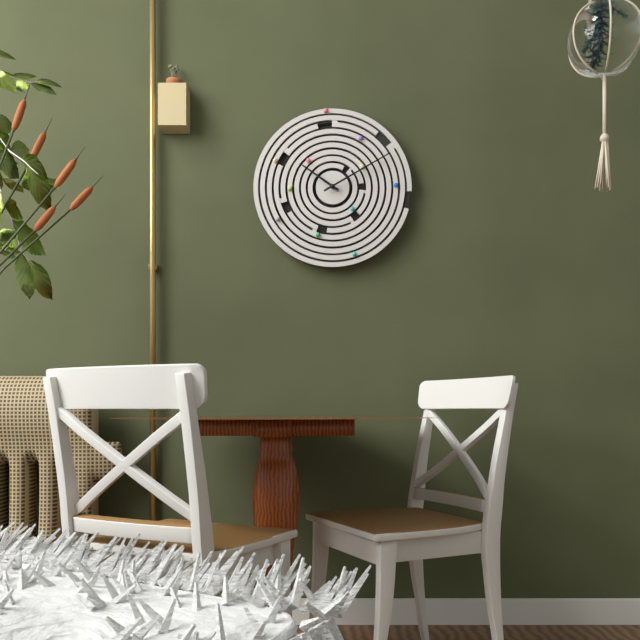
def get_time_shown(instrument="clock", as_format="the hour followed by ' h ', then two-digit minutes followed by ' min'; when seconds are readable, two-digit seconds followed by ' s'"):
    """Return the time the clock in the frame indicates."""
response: 10 h 10 min
